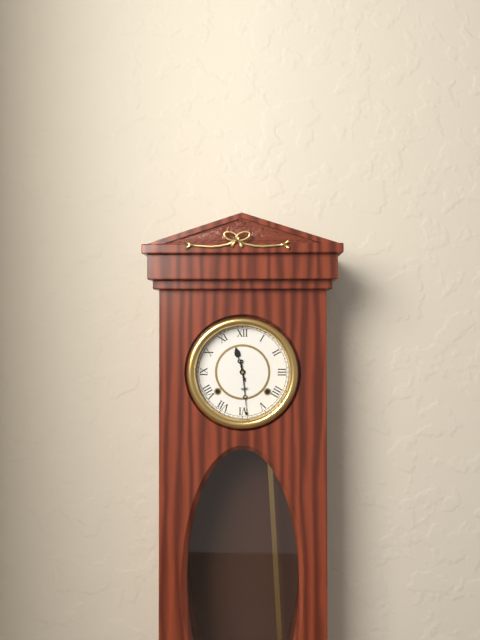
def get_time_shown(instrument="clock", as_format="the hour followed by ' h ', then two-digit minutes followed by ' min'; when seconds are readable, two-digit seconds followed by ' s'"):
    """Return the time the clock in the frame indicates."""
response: 11 h 29 min
